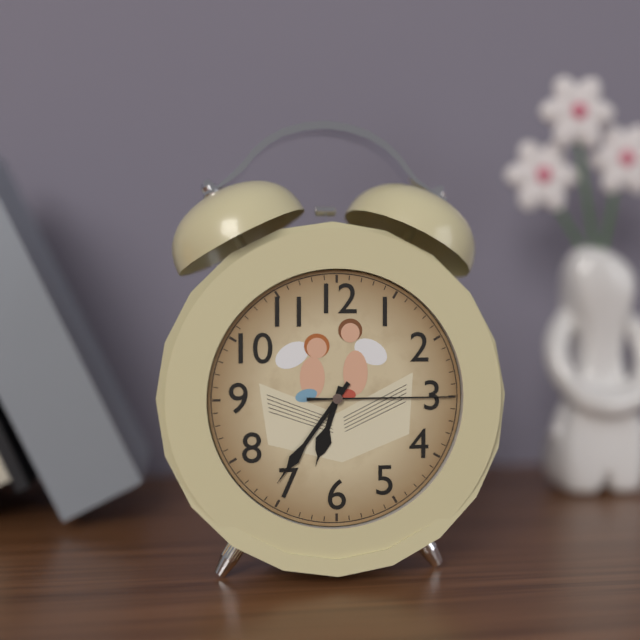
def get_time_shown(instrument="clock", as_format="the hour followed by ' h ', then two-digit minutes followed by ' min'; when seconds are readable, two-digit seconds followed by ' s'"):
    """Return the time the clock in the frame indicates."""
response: 6 h 36 min 15 s
